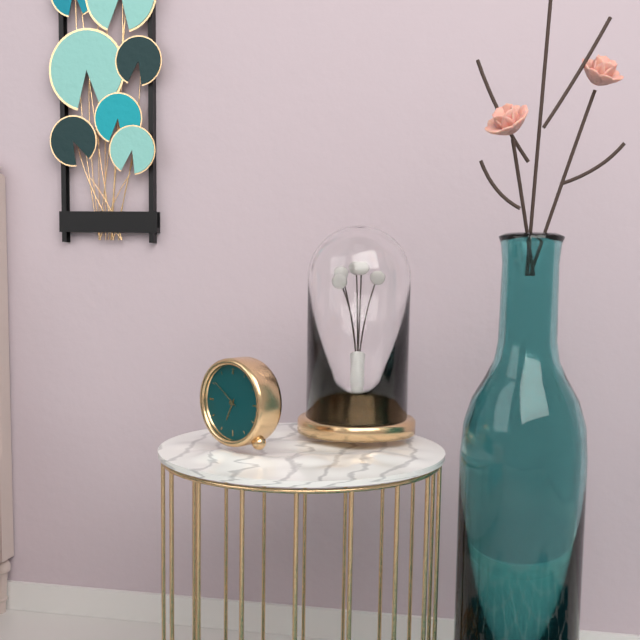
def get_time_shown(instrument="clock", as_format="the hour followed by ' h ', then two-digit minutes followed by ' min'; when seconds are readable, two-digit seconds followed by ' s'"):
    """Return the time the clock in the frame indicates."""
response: 6 h 51 min
